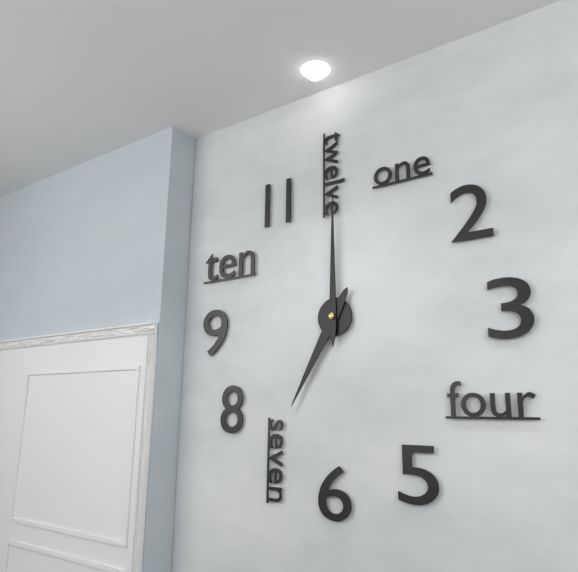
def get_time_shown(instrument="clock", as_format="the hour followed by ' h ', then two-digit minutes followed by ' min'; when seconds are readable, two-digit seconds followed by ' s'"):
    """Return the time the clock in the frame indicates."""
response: 7 h 00 min
